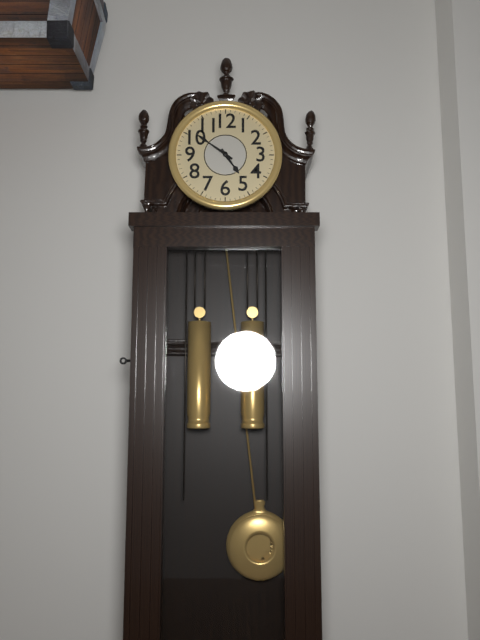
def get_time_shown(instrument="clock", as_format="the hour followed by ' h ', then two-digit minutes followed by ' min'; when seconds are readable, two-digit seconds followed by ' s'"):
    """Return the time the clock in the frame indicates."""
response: 4 h 51 min
